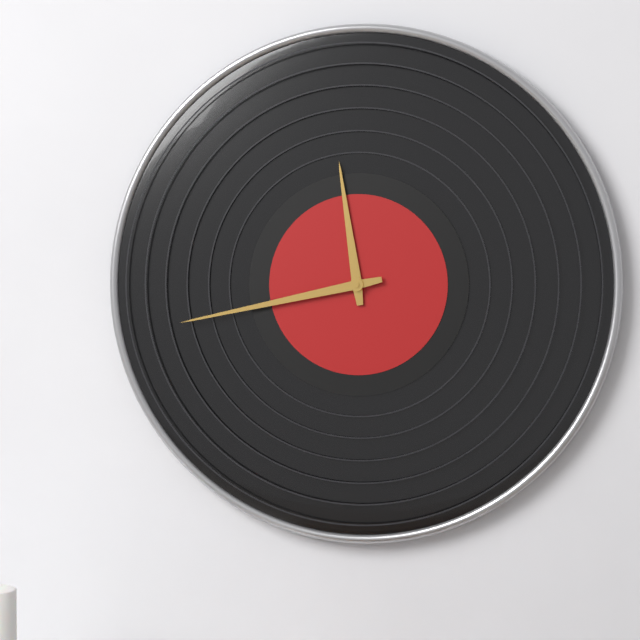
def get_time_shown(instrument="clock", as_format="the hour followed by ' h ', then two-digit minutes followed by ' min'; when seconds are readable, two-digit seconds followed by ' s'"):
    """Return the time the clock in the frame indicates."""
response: 11 h 43 min
